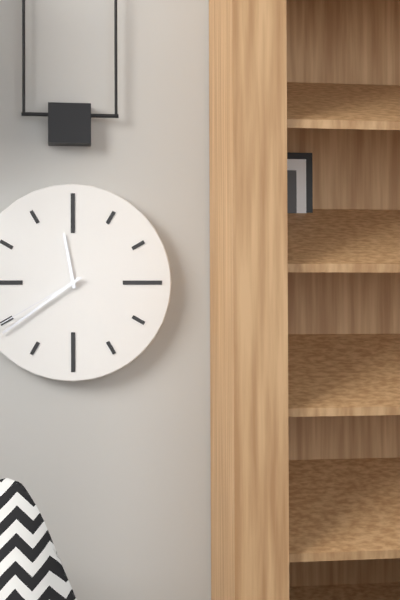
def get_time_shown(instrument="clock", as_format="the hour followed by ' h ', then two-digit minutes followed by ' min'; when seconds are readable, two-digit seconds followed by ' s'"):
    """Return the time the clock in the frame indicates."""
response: 11 h 39 min
